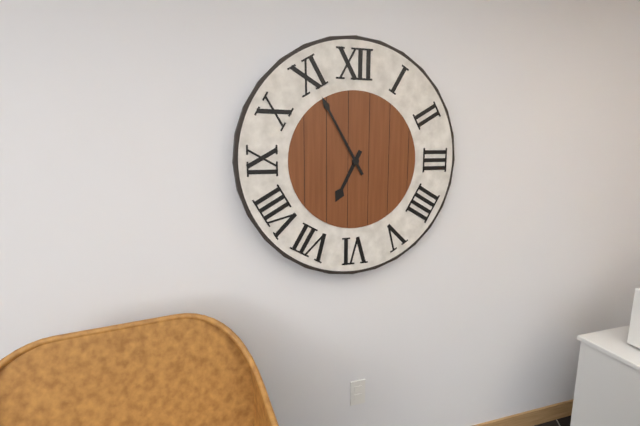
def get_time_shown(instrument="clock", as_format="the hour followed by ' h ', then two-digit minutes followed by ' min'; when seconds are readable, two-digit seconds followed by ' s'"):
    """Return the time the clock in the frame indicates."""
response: 6 h 55 min
